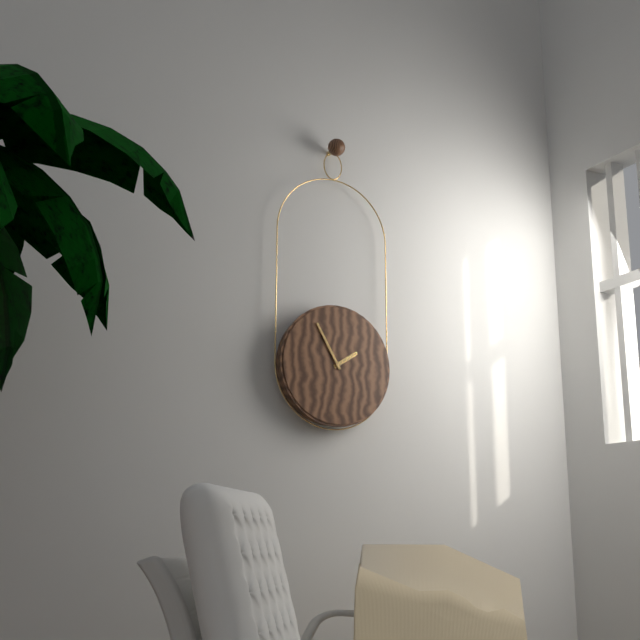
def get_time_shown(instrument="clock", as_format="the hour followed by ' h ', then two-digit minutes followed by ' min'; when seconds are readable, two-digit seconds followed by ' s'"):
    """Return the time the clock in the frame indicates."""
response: 1 h 55 min
